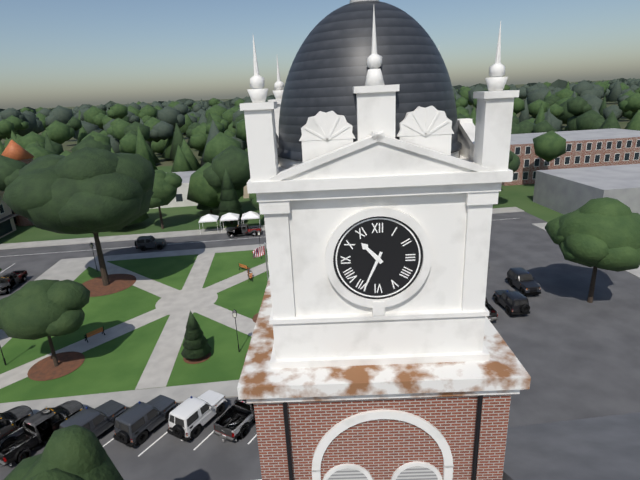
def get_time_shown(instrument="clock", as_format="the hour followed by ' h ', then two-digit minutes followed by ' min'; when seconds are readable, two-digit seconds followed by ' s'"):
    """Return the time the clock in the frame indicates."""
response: 10 h 34 min
